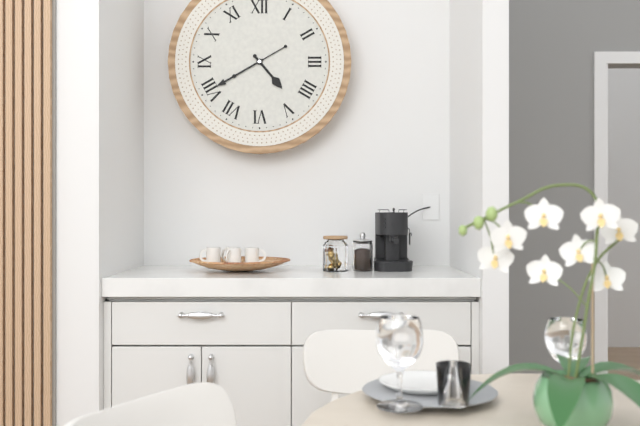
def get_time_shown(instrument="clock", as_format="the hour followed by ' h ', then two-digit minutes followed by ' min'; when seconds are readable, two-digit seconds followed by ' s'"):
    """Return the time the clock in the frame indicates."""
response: 4 h 40 min
